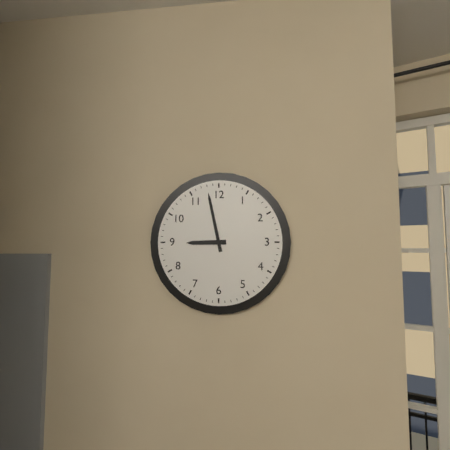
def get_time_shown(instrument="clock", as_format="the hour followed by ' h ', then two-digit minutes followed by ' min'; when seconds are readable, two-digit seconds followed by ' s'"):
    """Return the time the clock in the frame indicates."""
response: 8 h 58 min
